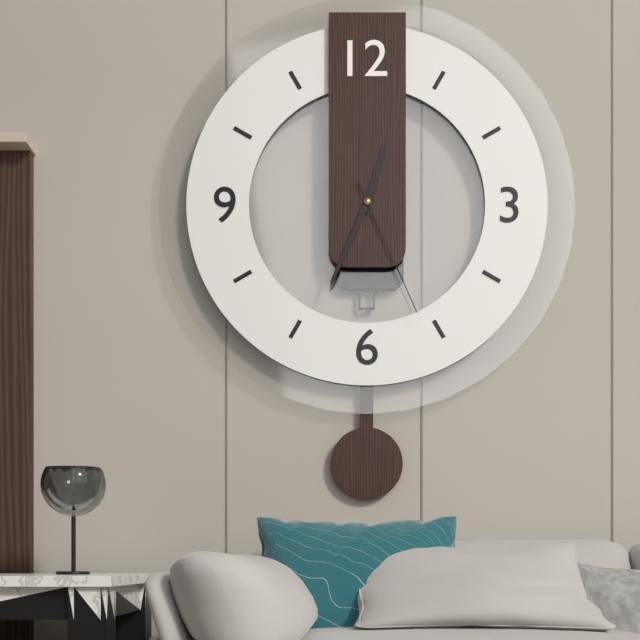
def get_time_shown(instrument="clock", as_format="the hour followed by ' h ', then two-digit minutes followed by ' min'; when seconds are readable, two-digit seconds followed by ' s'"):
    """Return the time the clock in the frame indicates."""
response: 12 h 34 min 26 s
